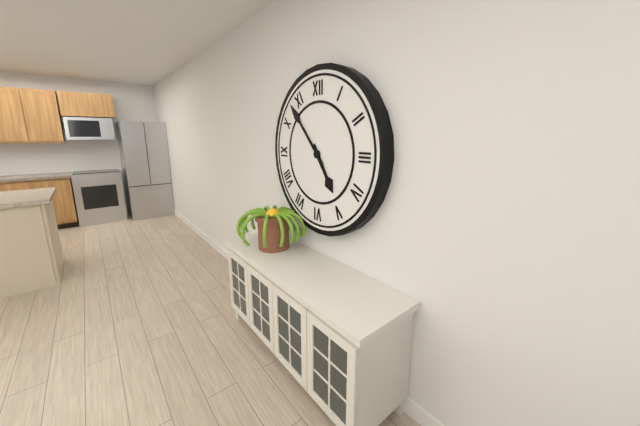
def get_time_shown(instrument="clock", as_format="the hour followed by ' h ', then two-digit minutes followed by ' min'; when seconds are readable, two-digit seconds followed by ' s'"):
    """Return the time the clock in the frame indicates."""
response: 4 h 53 min
